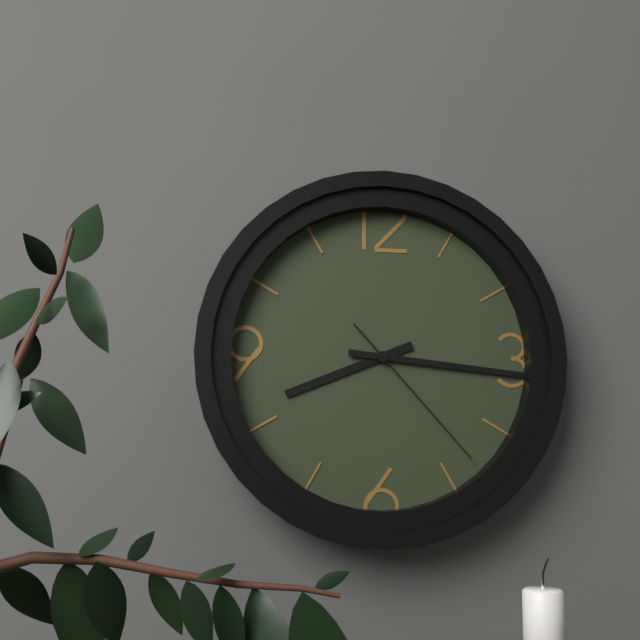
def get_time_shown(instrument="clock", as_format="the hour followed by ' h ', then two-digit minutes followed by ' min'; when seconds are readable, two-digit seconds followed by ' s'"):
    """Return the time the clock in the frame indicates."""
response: 8 h 16 min 23 s
